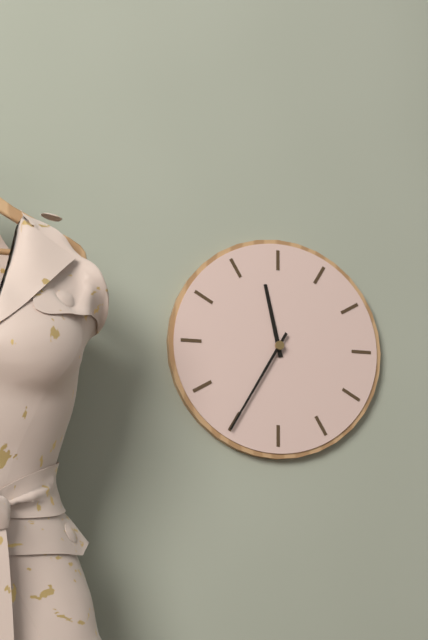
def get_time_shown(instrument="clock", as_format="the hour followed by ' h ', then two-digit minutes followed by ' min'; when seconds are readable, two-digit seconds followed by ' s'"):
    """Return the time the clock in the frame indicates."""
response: 11 h 35 min
